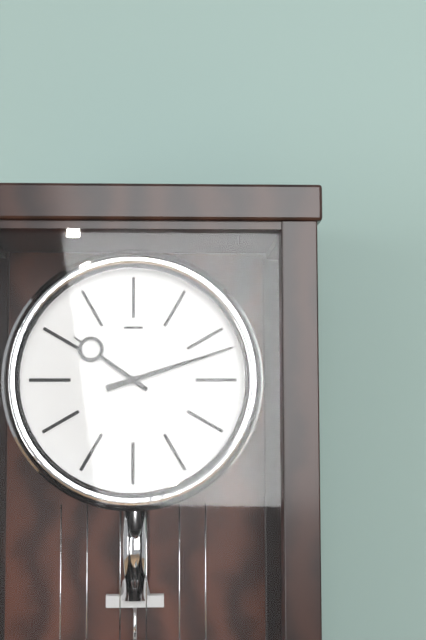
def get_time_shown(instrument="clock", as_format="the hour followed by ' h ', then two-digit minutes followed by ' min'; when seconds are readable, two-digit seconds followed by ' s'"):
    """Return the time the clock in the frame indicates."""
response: 10 h 12 min
